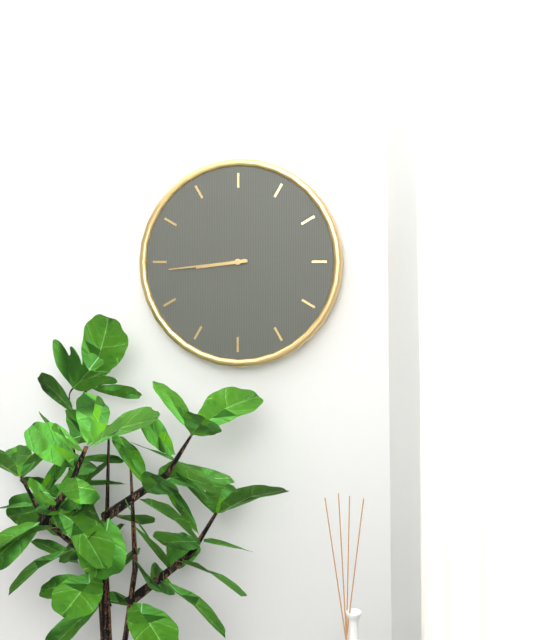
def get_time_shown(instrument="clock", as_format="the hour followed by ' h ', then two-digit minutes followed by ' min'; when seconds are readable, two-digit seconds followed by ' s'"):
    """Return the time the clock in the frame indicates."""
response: 8 h 44 min
